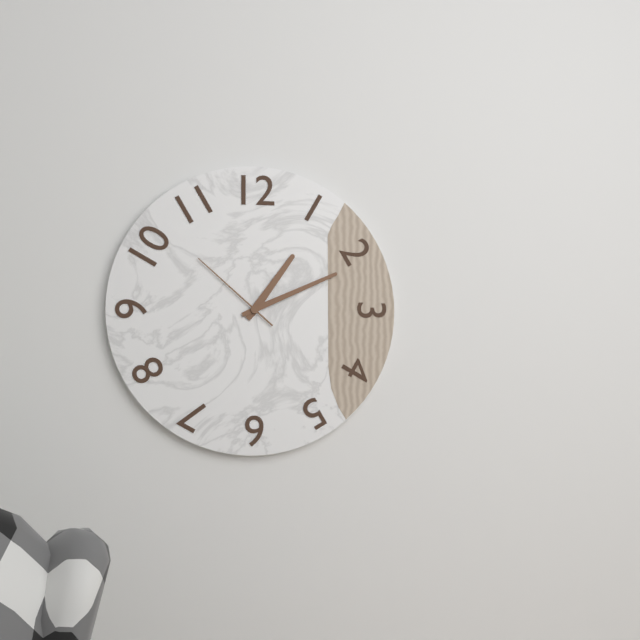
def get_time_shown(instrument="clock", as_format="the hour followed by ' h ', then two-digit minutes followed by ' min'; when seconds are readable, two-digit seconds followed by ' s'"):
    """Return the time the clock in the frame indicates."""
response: 1 h 11 min 52 s
